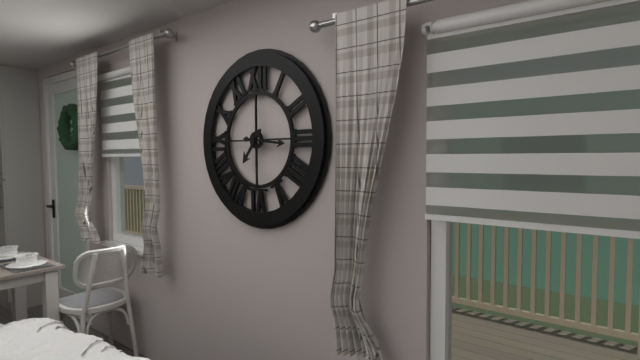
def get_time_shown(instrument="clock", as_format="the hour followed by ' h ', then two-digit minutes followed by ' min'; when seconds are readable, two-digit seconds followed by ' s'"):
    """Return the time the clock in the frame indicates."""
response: 7 h 16 min
